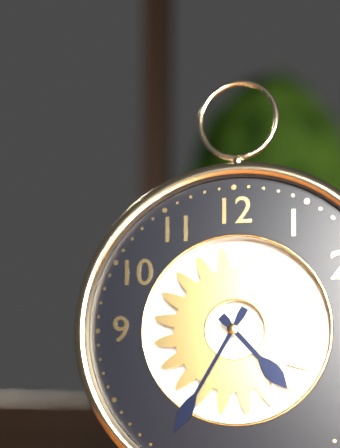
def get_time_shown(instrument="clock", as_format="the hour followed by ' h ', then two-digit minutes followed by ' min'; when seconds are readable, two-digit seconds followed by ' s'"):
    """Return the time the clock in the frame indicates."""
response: 4 h 35 min
